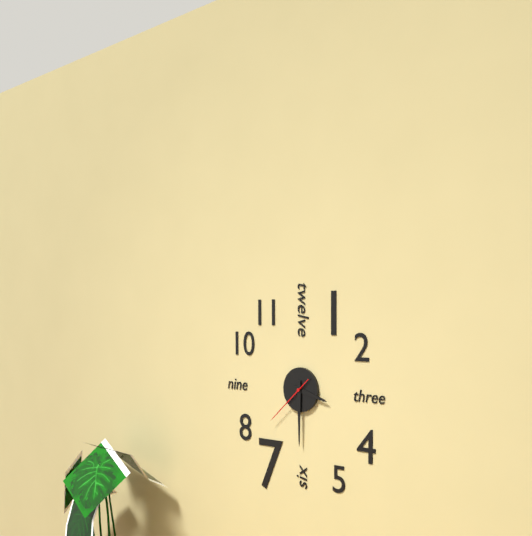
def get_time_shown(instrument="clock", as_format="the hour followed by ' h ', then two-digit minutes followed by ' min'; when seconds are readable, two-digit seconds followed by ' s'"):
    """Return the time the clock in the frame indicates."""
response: 3 h 30 min 38 s
